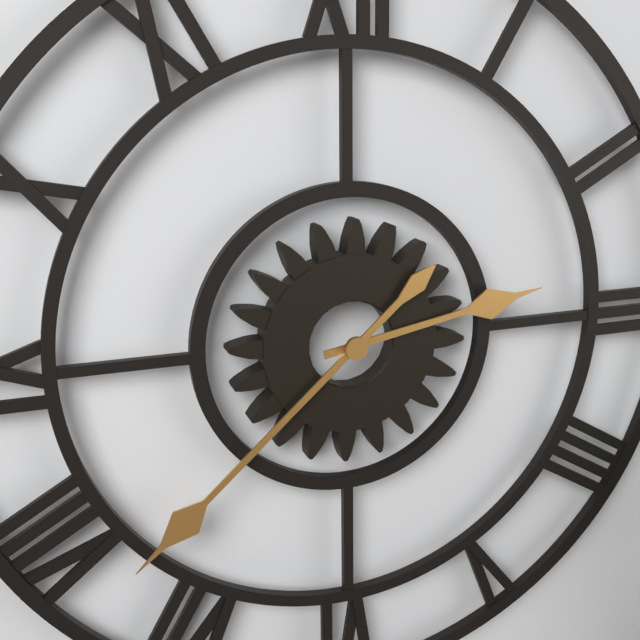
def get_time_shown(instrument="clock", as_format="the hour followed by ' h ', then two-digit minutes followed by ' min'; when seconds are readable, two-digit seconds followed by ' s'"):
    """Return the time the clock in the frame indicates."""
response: 2 h 38 min
